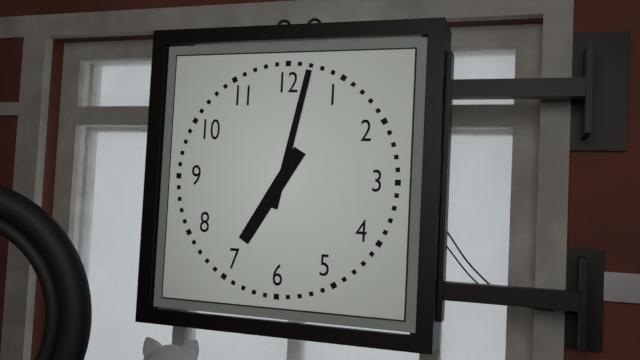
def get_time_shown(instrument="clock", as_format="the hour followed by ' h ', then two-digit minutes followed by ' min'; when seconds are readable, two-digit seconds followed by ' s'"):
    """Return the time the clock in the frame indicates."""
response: 7 h 02 min
